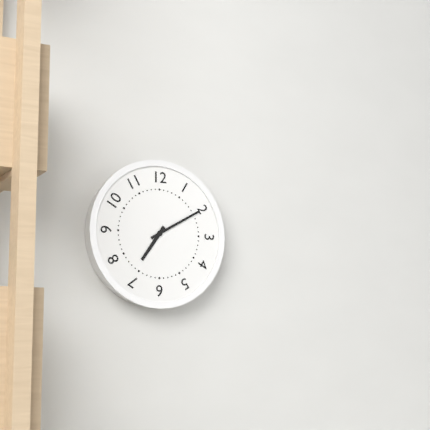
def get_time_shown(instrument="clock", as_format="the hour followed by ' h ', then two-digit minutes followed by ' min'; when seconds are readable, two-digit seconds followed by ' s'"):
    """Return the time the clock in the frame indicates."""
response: 7 h 10 min
